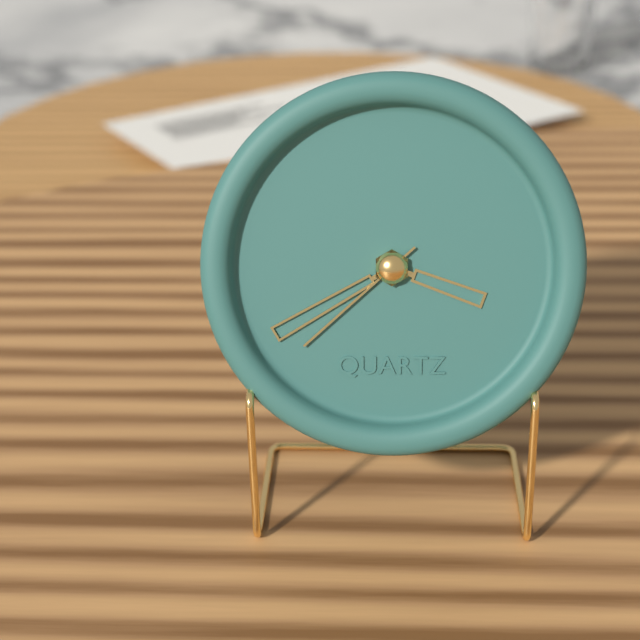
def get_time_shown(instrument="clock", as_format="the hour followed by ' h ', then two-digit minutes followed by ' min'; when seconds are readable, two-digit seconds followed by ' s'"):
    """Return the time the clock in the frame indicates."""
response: 3 h 40 min 38 s
